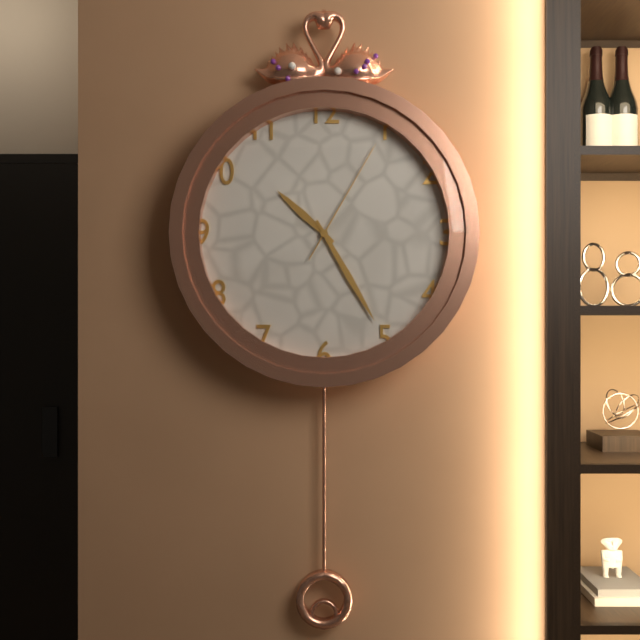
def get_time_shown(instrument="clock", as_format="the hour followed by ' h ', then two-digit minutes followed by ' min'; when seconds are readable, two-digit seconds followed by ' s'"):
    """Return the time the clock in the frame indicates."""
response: 10 h 25 min 05 s
